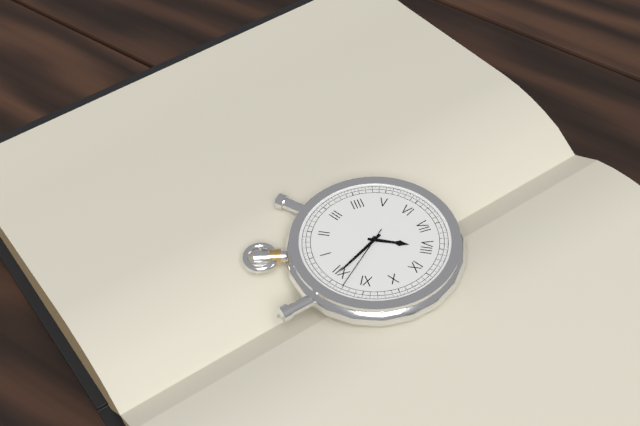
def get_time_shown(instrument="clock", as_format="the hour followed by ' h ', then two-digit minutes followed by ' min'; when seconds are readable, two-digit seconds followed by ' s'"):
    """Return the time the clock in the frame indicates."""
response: 8 h 00 min 58 s
